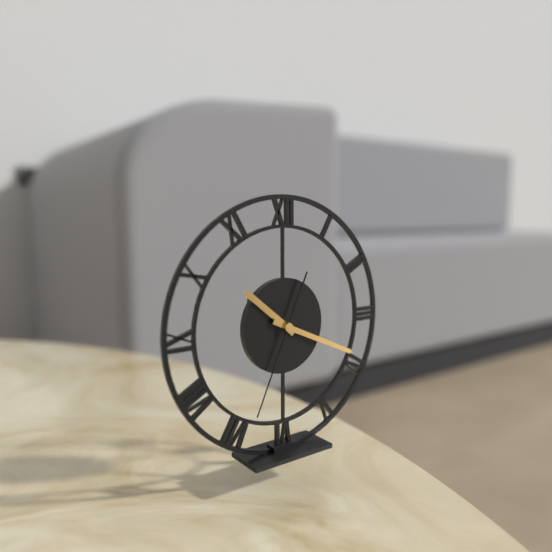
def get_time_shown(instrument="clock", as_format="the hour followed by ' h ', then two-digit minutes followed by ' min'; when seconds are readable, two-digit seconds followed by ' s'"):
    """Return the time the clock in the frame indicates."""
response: 10 h 19 min 34 s
